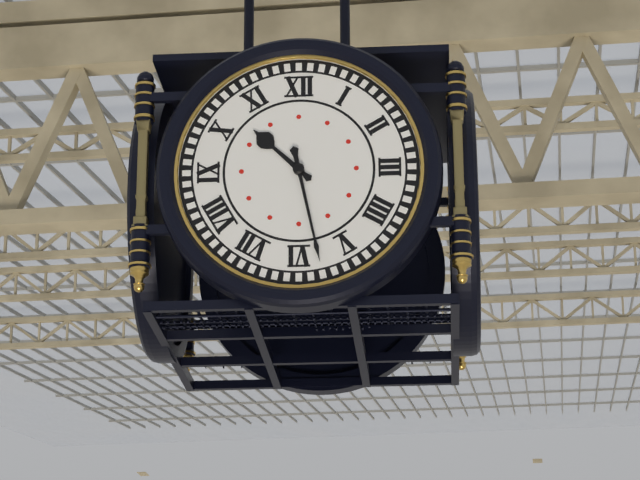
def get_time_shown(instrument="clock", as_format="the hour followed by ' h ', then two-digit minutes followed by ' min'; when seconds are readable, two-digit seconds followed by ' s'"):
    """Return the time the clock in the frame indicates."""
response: 10 h 28 min
